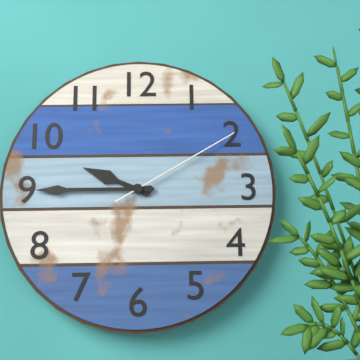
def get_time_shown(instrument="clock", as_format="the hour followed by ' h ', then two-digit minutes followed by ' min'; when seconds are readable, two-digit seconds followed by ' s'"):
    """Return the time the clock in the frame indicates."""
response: 9 h 45 min 10 s
